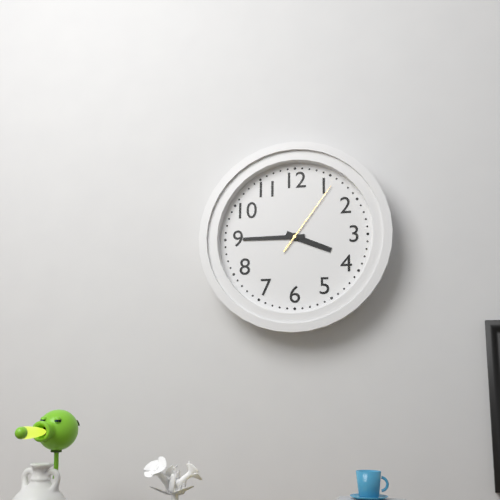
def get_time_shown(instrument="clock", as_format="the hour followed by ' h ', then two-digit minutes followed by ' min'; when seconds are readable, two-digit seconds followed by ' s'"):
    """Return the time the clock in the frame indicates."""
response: 3 h 45 min 06 s
